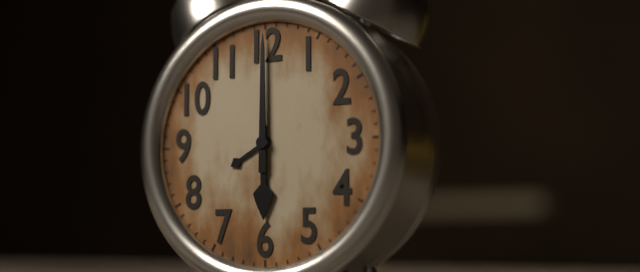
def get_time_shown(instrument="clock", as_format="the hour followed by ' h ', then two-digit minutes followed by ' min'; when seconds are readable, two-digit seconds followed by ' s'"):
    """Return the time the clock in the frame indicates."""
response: 6 h 00 min
